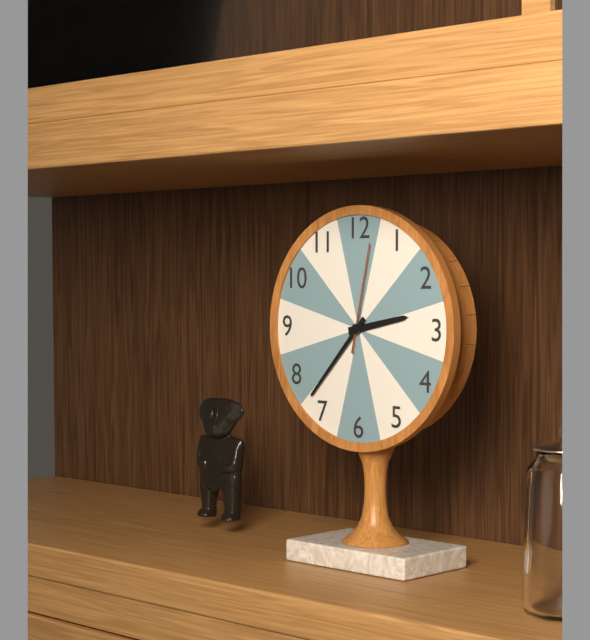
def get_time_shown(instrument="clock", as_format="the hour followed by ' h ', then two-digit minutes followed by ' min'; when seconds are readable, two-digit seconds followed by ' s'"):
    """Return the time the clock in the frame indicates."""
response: 2 h 37 min 02 s
